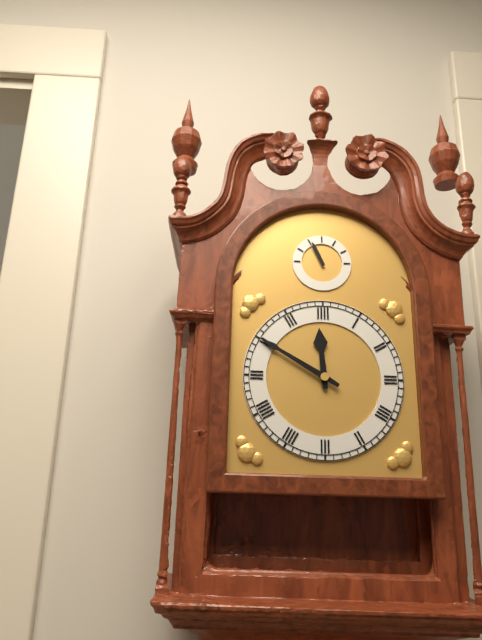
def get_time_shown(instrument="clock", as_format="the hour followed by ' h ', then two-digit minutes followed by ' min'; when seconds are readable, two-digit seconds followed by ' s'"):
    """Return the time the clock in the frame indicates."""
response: 11 h 50 min
